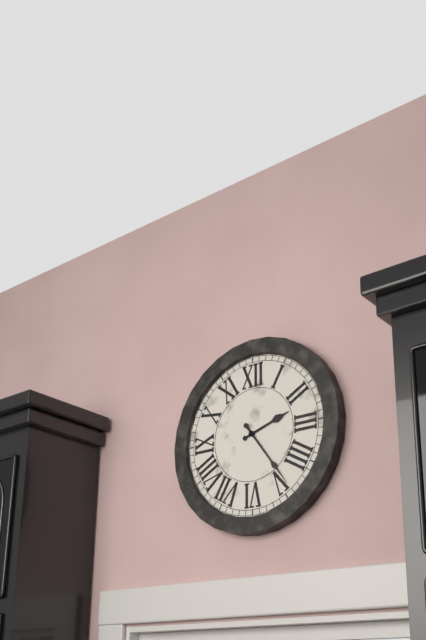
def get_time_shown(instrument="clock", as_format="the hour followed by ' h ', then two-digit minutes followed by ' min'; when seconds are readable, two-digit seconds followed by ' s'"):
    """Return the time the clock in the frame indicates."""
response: 2 h 24 min
